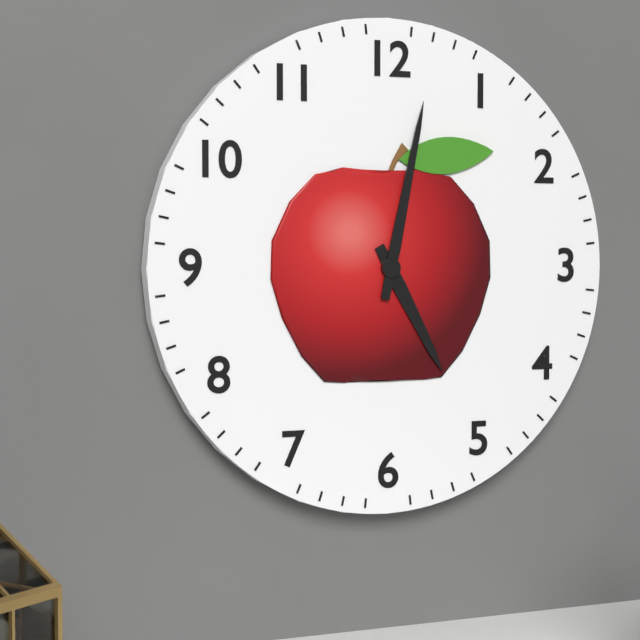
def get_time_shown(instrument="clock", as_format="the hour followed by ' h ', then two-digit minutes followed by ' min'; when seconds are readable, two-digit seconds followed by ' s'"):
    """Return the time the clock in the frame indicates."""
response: 5 h 02 min
